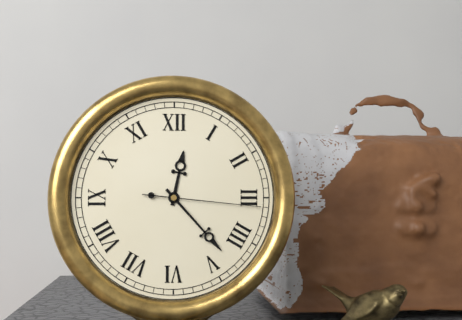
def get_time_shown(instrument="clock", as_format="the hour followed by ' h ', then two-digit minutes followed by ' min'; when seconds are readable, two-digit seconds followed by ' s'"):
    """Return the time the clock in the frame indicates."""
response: 12 h 23 min 16 s
